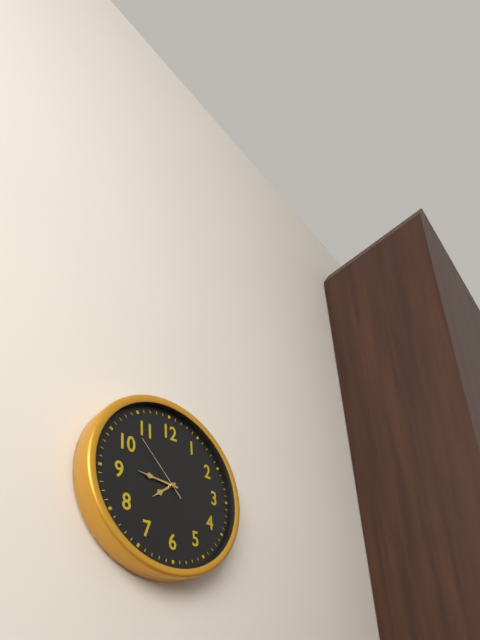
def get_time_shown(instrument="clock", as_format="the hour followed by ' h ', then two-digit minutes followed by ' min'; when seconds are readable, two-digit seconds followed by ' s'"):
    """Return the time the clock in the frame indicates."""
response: 7 h 46 min 53 s
